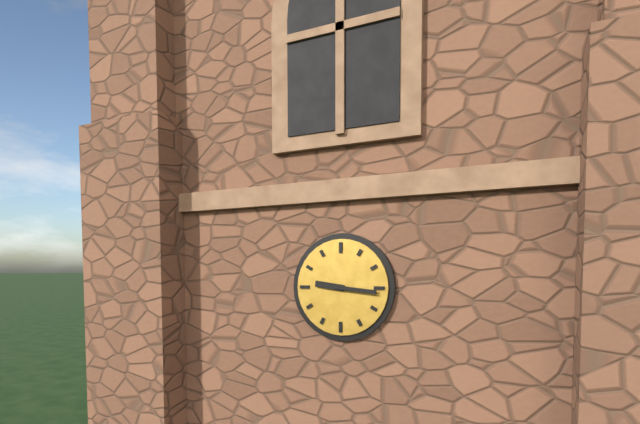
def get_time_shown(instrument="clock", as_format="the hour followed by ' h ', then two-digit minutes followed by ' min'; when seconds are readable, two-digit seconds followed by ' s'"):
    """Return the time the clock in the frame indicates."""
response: 9 h 16 min
